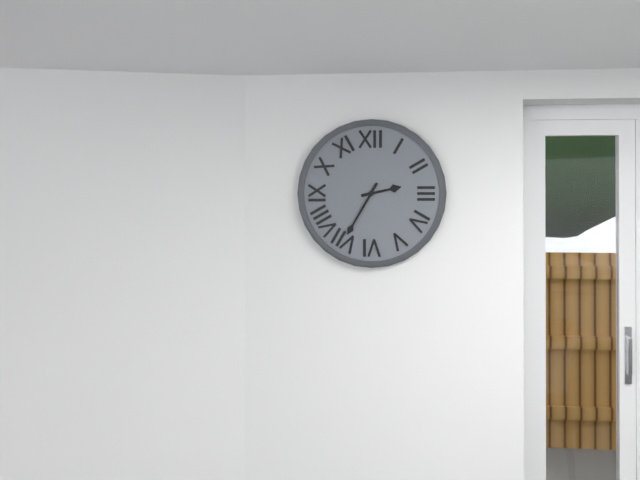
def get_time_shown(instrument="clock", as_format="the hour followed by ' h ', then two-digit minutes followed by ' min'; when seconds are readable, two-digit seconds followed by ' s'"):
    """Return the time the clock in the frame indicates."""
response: 2 h 35 min
